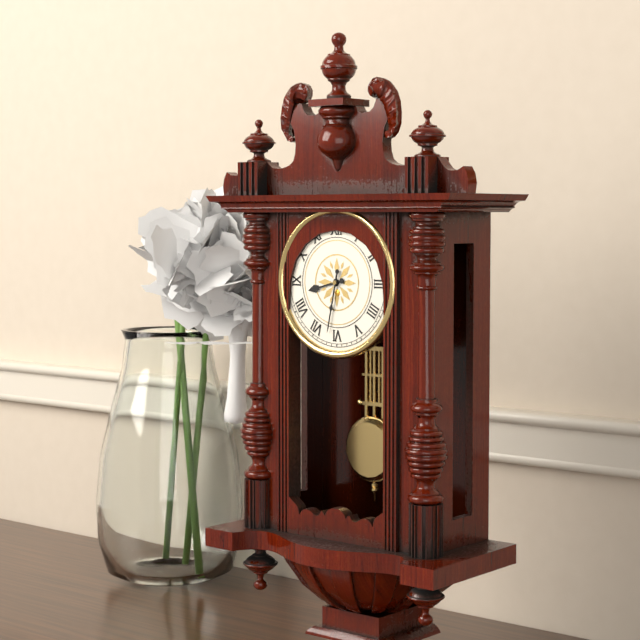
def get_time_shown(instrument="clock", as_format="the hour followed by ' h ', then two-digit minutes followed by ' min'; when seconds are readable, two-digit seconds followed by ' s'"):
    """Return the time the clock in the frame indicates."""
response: 8 h 32 min
